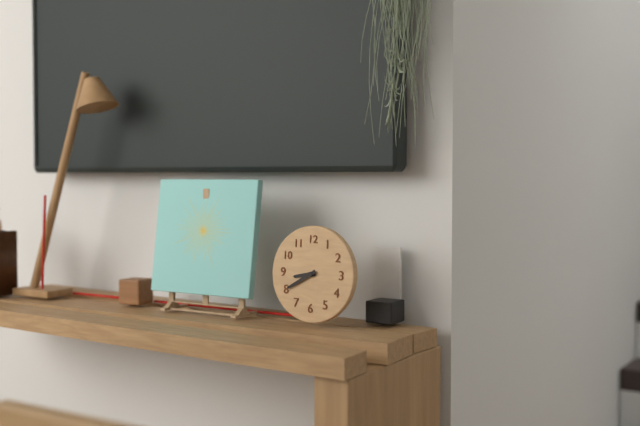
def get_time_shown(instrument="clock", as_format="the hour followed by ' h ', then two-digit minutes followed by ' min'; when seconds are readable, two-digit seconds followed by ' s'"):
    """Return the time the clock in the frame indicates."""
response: 8 h 40 min
